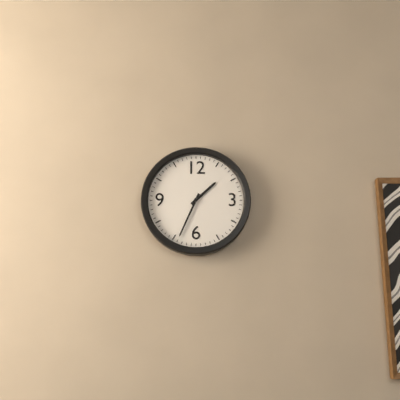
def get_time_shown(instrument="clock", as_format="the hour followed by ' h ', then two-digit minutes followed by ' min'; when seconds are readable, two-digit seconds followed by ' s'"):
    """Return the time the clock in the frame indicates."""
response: 1 h 34 min
